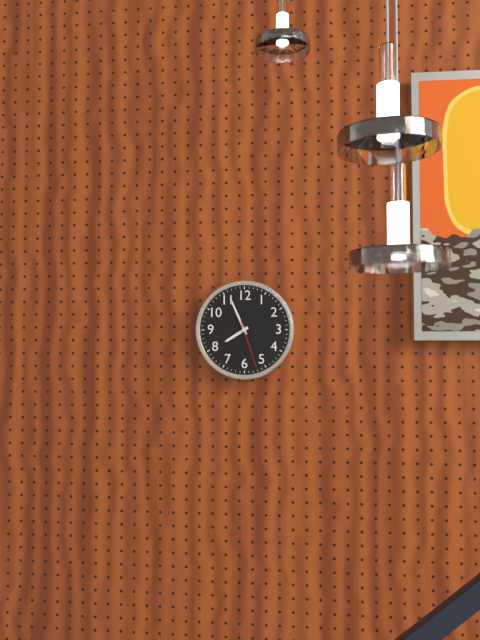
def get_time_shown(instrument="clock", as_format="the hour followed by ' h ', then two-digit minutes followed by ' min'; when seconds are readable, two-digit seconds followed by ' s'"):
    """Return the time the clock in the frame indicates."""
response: 7 h 56 min
